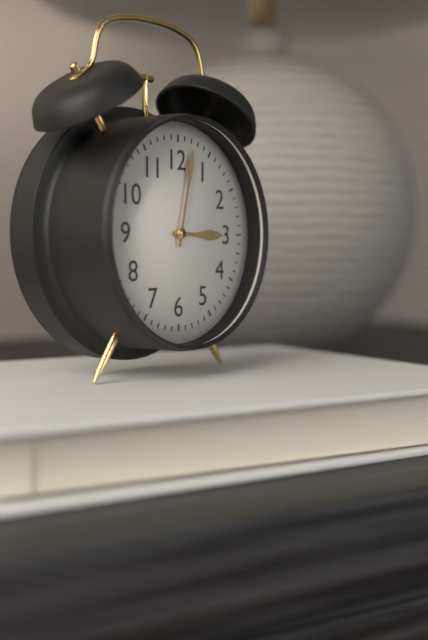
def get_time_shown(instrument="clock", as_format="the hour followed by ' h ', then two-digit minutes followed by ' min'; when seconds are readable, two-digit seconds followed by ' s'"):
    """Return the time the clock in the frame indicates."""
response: 3 h 02 min
